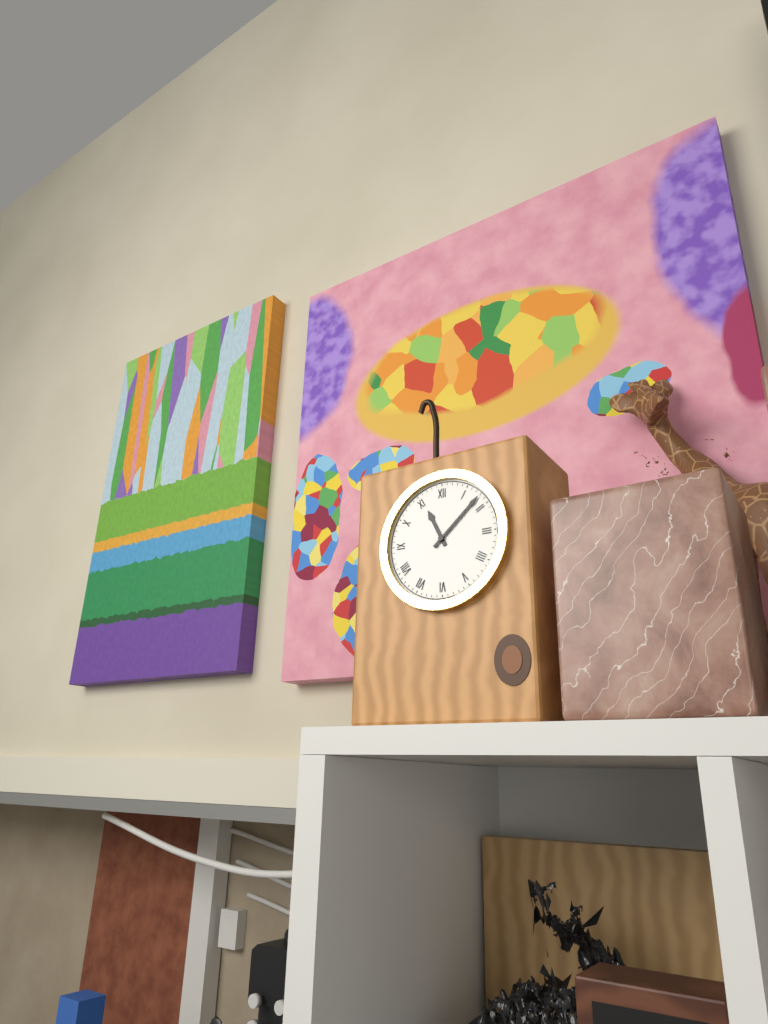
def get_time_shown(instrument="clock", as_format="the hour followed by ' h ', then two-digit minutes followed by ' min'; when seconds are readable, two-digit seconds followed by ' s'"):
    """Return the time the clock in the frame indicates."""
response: 11 h 08 min
